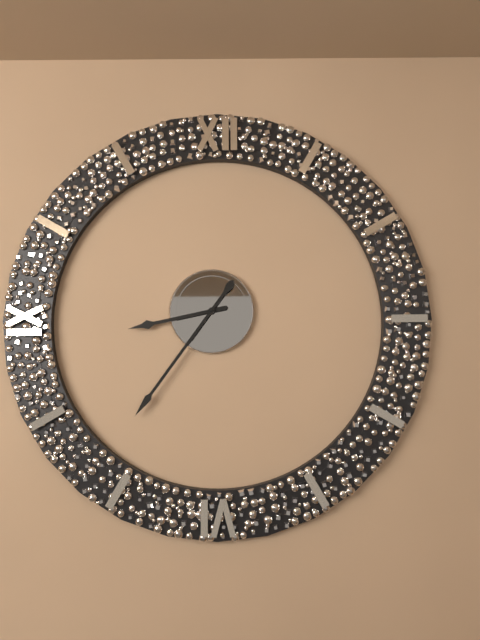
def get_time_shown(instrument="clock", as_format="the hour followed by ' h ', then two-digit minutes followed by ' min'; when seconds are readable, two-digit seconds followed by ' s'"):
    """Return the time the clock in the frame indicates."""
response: 8 h 36 min
